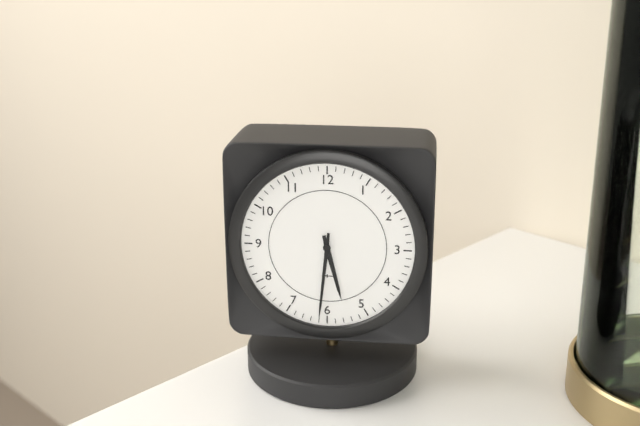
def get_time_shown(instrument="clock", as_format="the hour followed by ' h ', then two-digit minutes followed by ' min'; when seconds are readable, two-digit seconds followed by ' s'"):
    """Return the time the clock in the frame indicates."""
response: 5 h 31 min
